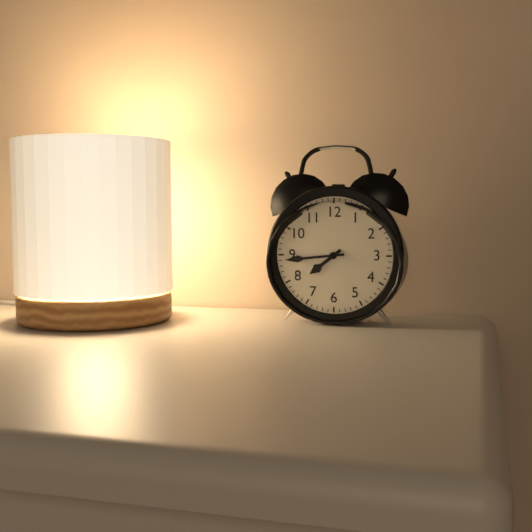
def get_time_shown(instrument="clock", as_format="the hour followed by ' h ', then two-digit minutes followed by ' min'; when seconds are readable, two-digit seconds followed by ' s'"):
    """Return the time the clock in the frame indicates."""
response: 7 h 44 min
